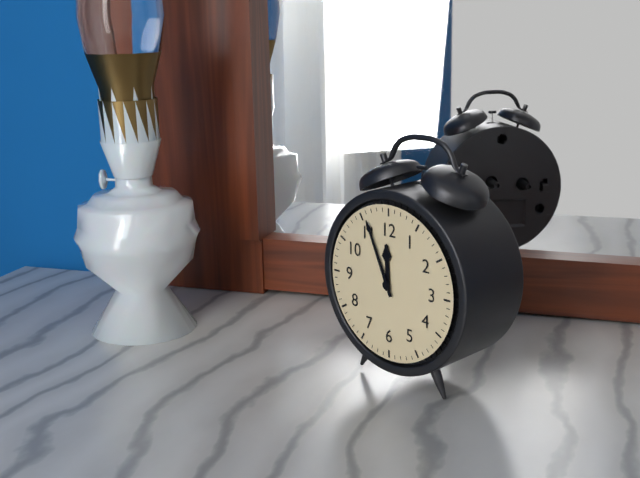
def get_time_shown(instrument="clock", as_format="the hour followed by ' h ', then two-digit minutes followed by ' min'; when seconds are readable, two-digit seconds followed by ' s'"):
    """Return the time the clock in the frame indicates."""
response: 11 h 56 min
